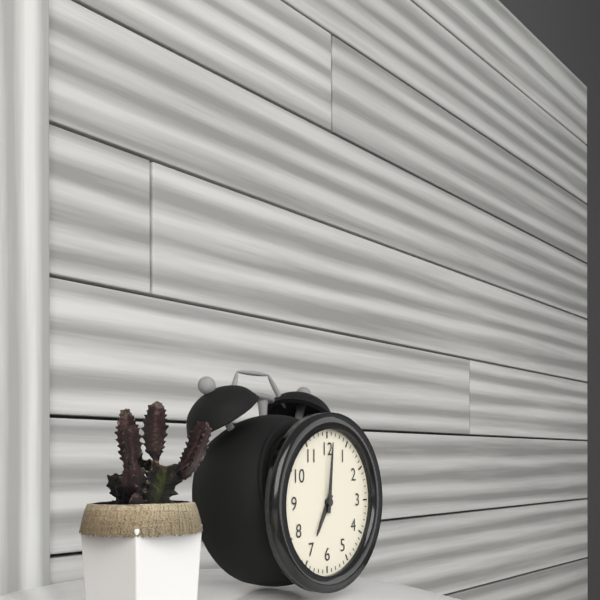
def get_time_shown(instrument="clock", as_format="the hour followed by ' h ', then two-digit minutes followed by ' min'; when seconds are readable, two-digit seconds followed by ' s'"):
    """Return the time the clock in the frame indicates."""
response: 7 h 01 min
